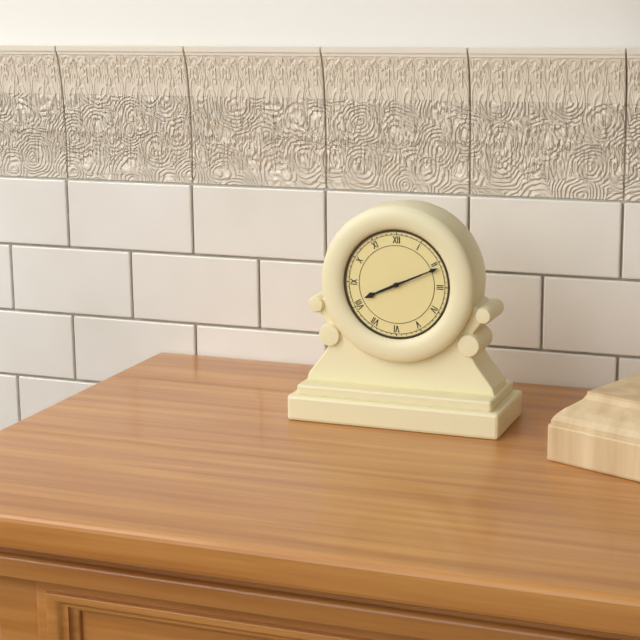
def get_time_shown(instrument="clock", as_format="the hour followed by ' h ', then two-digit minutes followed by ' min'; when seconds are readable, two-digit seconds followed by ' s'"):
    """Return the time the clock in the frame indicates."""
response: 8 h 11 min
